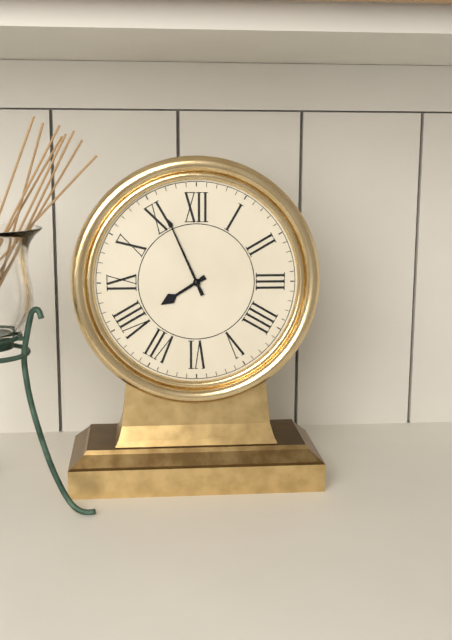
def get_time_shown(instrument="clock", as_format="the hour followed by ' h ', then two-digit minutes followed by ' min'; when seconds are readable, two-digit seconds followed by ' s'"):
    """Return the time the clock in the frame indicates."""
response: 7 h 56 min
